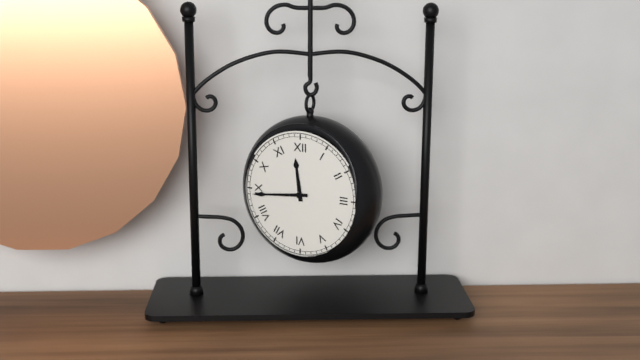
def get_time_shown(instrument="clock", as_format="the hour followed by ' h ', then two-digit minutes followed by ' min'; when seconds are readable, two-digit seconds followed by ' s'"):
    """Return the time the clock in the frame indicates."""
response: 11 h 44 min
